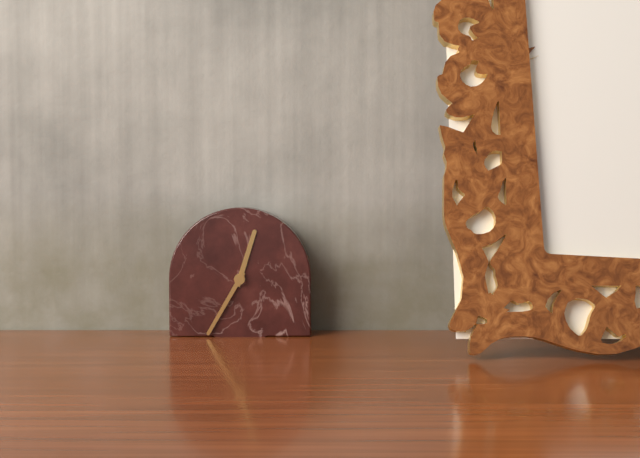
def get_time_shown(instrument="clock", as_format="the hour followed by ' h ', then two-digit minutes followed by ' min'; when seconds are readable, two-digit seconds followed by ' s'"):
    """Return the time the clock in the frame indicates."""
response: 12 h 35 min
